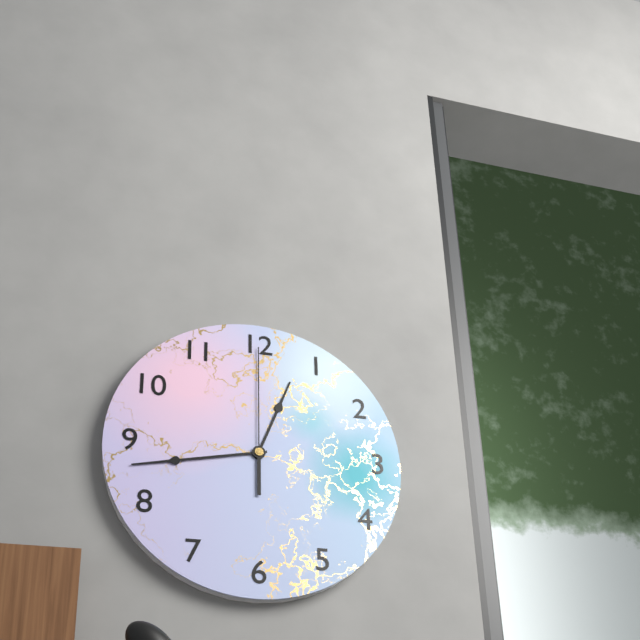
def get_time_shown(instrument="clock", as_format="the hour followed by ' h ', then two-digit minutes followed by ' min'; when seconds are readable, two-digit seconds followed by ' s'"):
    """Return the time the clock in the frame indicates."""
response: 12 h 43 min 00 s
